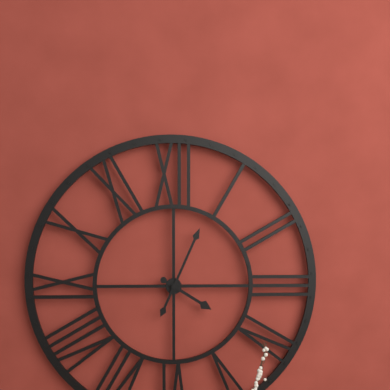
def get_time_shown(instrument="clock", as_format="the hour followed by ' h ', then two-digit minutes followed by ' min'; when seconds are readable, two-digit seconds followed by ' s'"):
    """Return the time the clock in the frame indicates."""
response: 4 h 04 min
